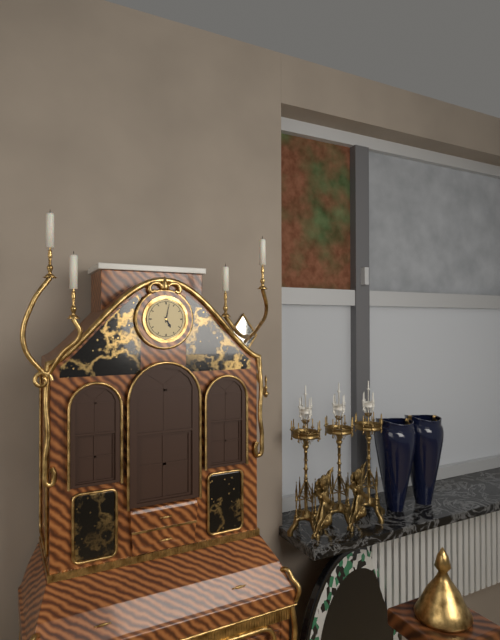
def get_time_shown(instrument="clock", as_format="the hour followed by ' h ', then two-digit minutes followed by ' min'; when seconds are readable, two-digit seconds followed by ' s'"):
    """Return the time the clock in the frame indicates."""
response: 5 h 02 min
